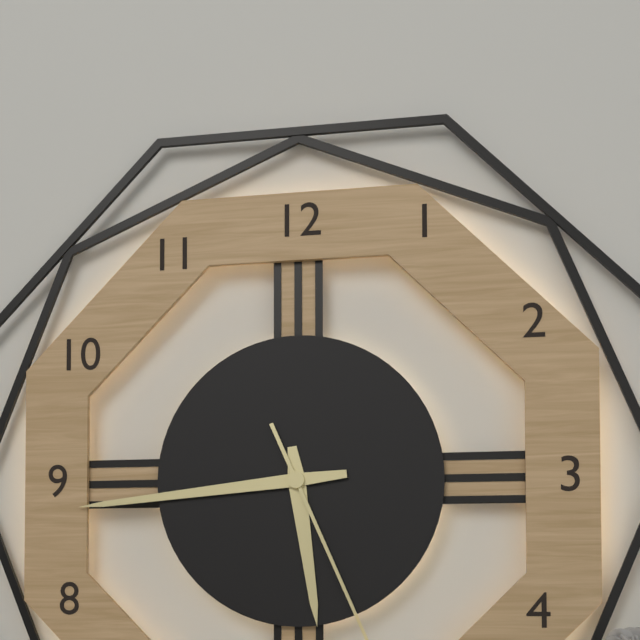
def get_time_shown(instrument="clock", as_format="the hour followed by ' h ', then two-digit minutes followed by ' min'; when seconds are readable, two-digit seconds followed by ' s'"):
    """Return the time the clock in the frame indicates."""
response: 5 h 44 min
